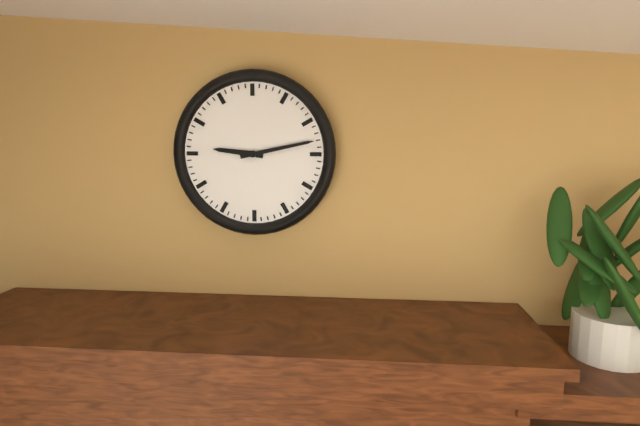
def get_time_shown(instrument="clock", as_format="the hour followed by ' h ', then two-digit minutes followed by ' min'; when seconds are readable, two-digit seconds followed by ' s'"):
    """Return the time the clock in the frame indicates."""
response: 9 h 13 min
